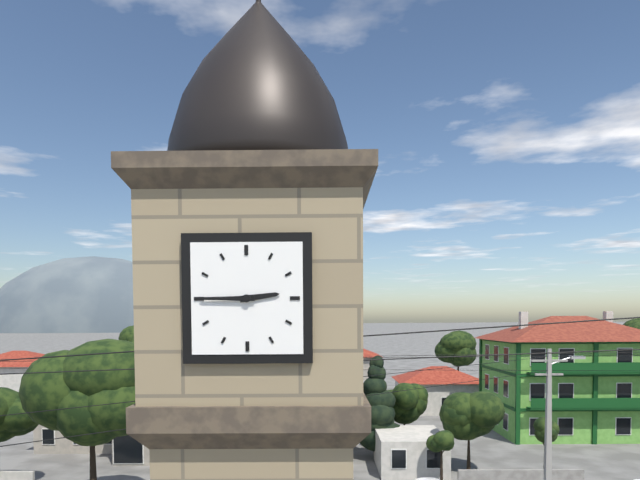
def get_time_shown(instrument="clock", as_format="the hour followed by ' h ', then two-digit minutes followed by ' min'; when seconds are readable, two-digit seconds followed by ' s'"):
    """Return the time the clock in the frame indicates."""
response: 2 h 45 min
